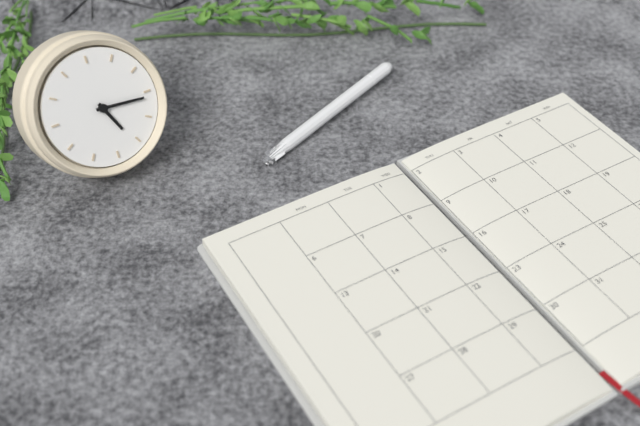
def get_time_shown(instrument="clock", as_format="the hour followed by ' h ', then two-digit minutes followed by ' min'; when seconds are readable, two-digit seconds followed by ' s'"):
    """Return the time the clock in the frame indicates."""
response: 4 h 11 min
